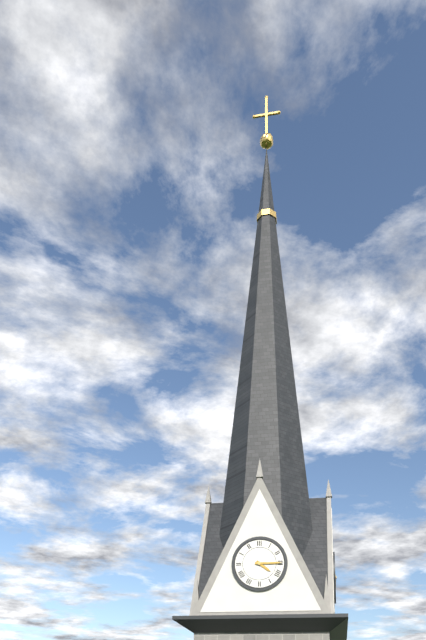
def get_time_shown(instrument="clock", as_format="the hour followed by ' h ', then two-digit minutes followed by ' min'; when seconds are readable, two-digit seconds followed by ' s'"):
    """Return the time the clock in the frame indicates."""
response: 4 h 15 min
